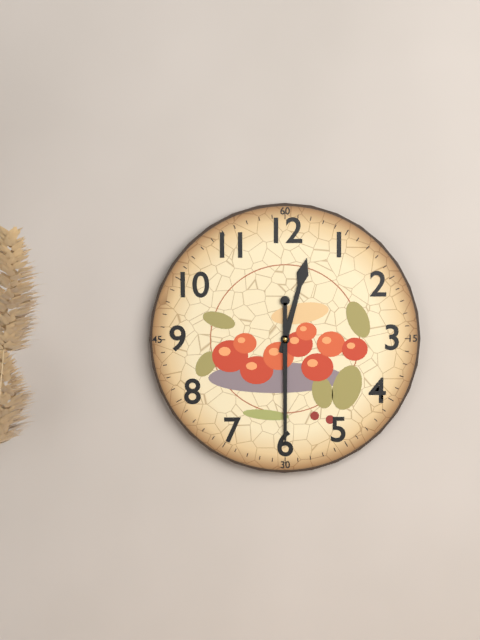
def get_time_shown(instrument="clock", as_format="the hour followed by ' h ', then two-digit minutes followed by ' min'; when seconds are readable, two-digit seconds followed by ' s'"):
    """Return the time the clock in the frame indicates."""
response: 12 h 30 min
